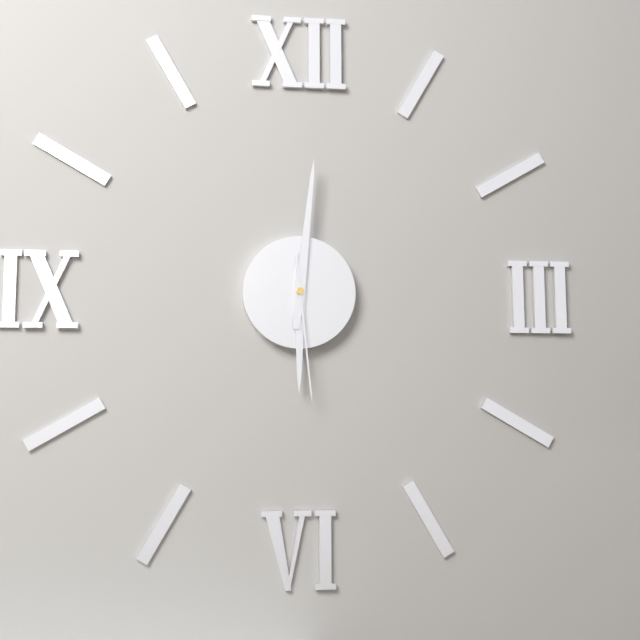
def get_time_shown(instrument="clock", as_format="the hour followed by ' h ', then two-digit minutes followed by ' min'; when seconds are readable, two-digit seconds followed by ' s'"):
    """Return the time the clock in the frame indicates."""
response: 6 h 01 min 29 s
